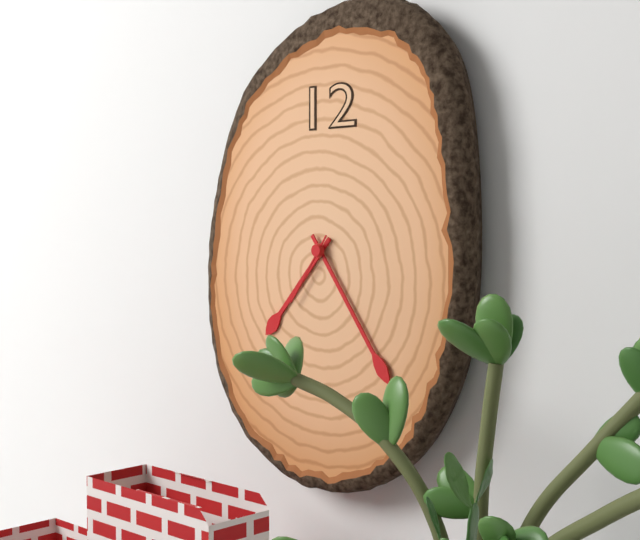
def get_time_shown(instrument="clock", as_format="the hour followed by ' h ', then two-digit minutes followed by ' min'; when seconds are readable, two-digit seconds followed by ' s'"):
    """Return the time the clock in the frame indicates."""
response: 7 h 24 min 36 s
